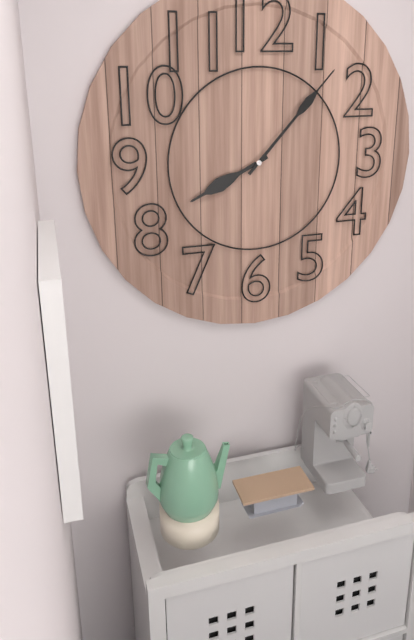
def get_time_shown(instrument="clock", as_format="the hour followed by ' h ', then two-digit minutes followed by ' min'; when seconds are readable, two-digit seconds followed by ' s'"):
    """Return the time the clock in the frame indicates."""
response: 8 h 07 min
